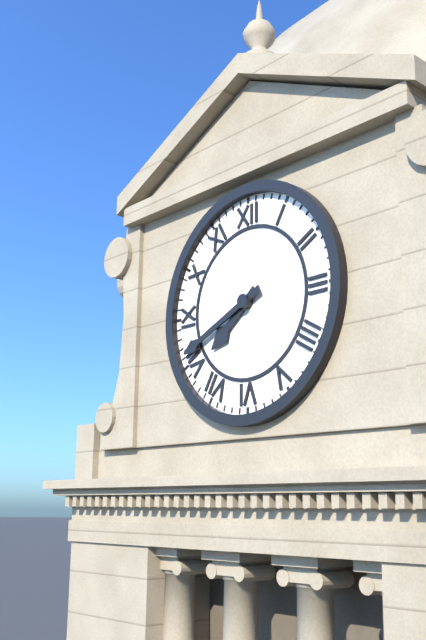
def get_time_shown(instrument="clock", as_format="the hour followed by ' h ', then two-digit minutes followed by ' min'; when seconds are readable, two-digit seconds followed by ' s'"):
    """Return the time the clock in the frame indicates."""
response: 7 h 41 min
